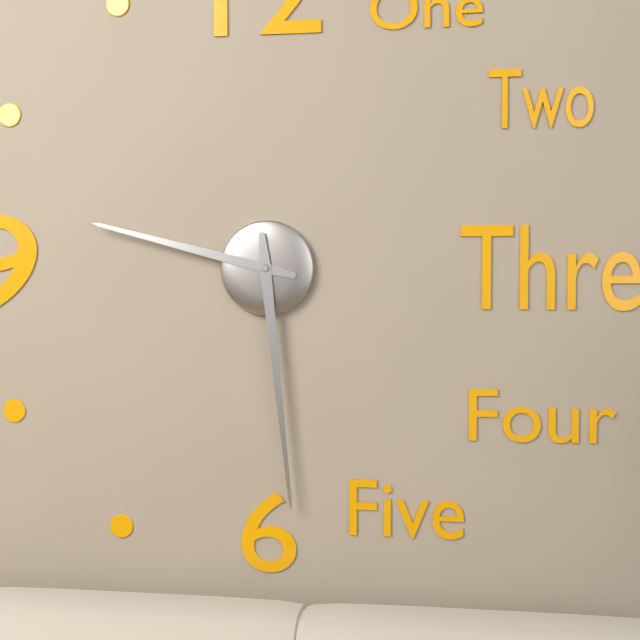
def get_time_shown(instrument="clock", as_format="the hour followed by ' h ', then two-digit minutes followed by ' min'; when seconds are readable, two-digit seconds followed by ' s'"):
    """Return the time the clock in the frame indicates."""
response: 9 h 29 min
